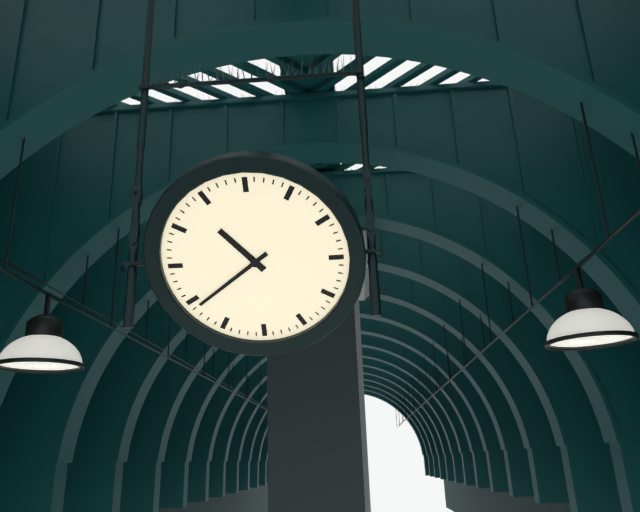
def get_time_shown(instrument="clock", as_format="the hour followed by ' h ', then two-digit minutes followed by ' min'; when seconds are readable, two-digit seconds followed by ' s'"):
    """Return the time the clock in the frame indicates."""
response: 10 h 39 min
